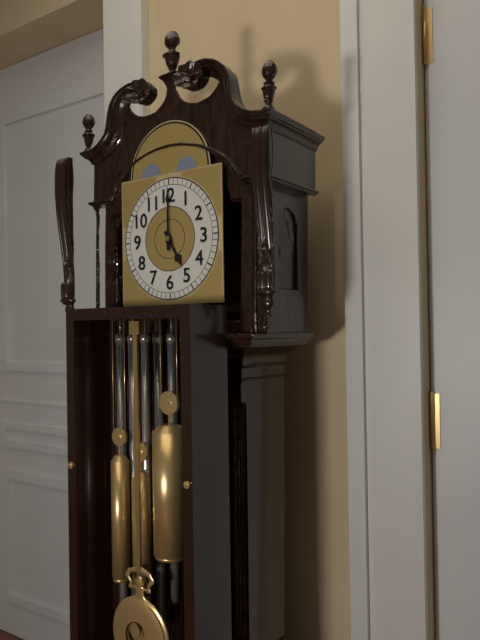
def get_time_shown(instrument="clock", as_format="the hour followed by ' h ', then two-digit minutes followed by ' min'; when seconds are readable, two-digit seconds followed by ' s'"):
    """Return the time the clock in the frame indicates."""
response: 5 h 00 min
